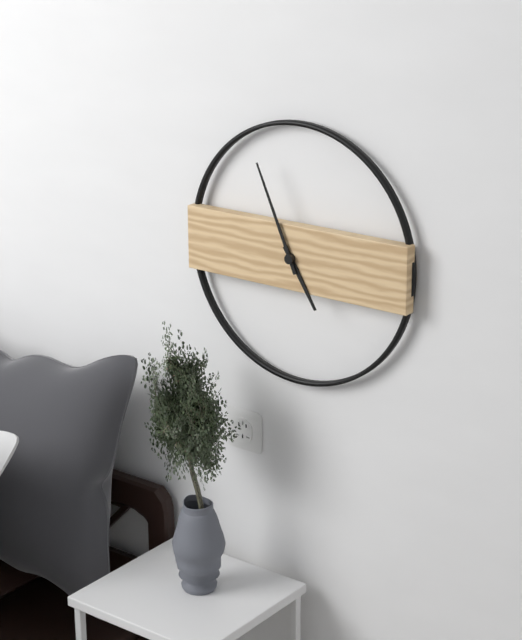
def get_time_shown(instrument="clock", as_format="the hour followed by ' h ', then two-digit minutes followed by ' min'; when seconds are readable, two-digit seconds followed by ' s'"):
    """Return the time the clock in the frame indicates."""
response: 4 h 56 min
